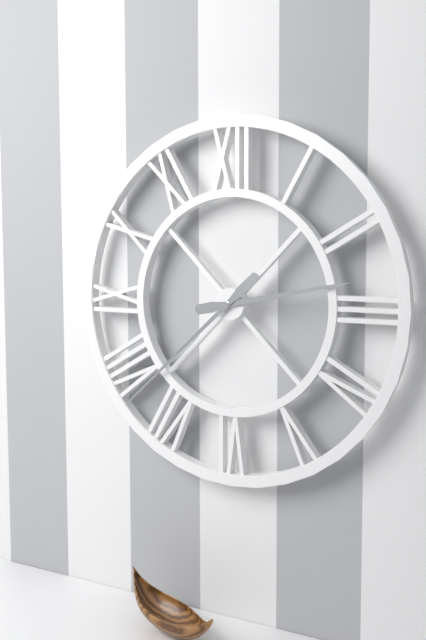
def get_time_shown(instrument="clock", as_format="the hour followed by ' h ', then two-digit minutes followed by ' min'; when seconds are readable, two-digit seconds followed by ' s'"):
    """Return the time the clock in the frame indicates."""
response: 2 h 38 min
